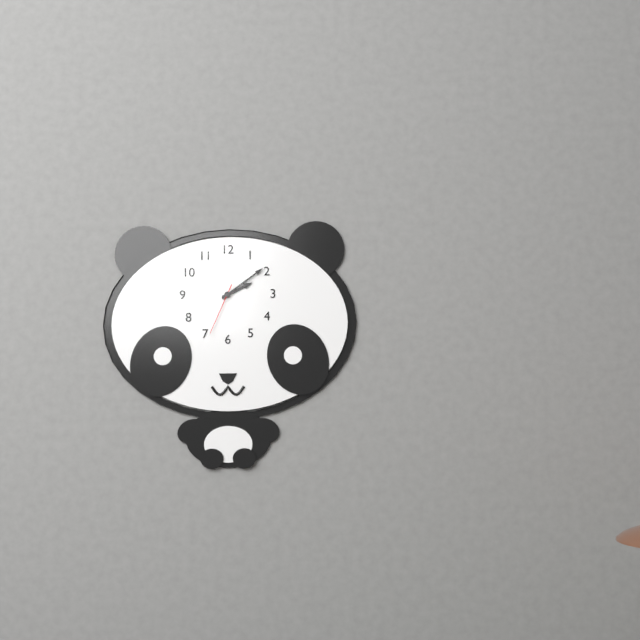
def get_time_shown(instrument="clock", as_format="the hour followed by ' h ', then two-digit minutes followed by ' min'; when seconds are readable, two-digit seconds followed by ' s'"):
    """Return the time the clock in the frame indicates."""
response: 2 h 09 min 34 s
